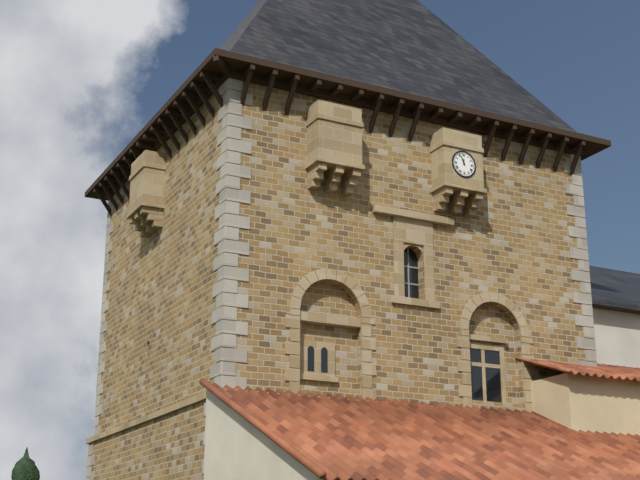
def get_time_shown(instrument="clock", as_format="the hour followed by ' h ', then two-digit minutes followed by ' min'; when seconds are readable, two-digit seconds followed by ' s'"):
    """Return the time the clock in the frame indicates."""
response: 11 h 56 min
